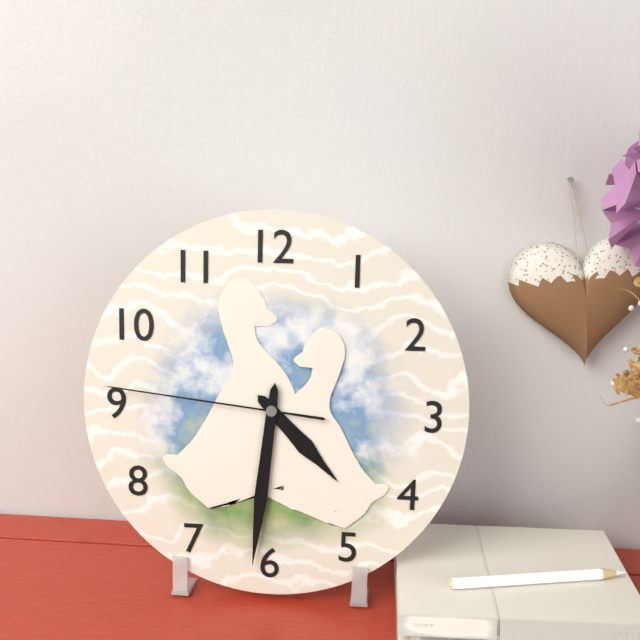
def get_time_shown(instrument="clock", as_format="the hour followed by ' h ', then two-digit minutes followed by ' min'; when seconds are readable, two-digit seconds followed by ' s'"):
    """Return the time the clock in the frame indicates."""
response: 4 h 31 min 46 s
